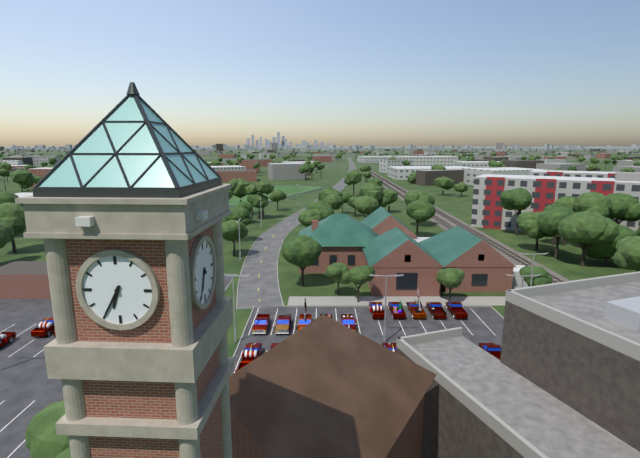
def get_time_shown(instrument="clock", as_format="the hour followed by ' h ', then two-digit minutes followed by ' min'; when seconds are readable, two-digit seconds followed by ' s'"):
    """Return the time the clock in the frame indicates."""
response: 6 h 35 min
